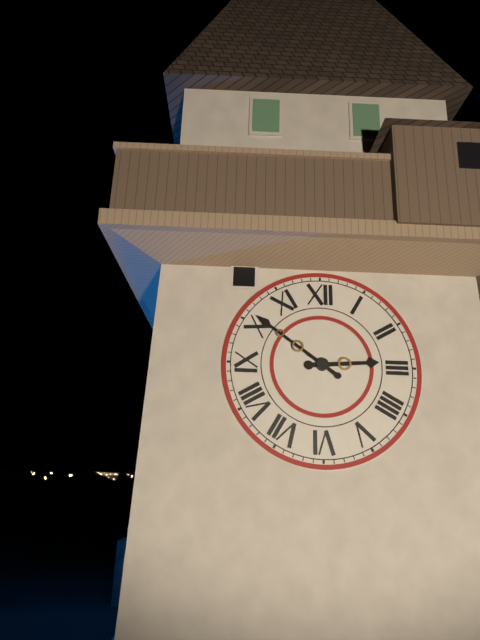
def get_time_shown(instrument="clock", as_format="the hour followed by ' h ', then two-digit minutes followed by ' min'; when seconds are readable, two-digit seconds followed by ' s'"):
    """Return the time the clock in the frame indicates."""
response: 2 h 51 min
